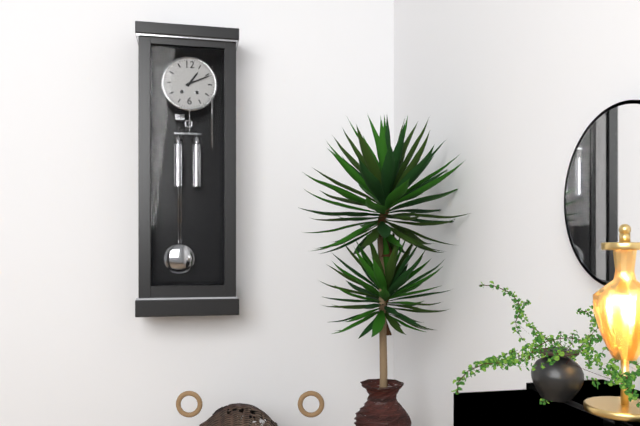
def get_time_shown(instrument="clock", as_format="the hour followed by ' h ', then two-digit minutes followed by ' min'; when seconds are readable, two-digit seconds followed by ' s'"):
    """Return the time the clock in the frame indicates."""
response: 1 h 11 min
